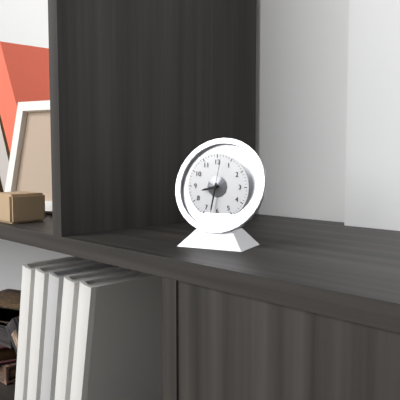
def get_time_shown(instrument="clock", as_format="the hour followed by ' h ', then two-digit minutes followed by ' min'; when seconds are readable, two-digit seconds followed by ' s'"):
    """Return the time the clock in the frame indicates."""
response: 8 h 32 min
